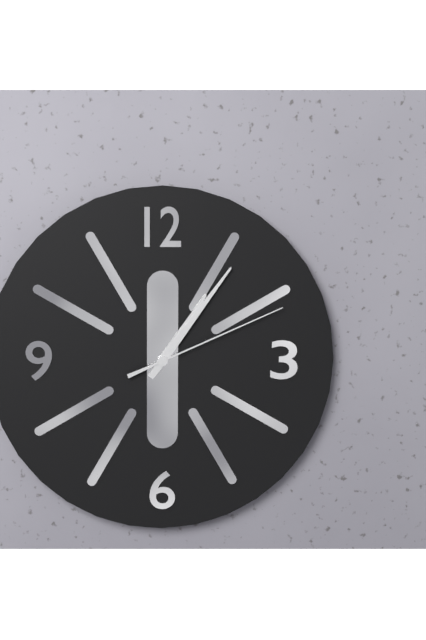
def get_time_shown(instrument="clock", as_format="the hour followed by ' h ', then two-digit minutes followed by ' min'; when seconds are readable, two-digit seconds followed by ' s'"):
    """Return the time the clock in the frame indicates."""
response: 1 h 06 min 11 s
